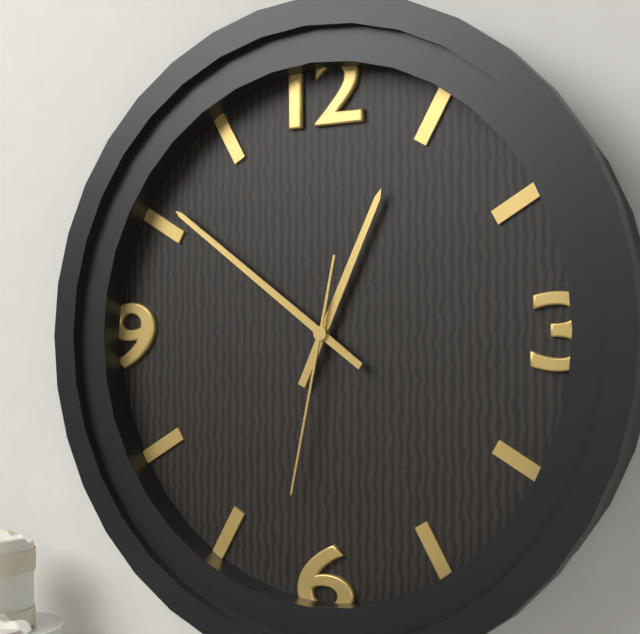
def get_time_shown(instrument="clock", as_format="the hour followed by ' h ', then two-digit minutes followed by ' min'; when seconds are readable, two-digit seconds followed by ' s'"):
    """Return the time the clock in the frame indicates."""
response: 12 h 51 min 32 s
